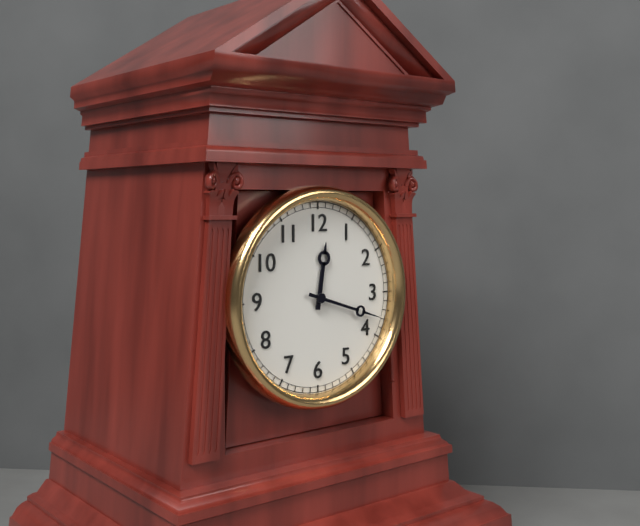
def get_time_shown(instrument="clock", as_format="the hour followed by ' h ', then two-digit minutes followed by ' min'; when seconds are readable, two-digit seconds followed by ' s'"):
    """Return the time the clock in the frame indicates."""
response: 12 h 18 min
